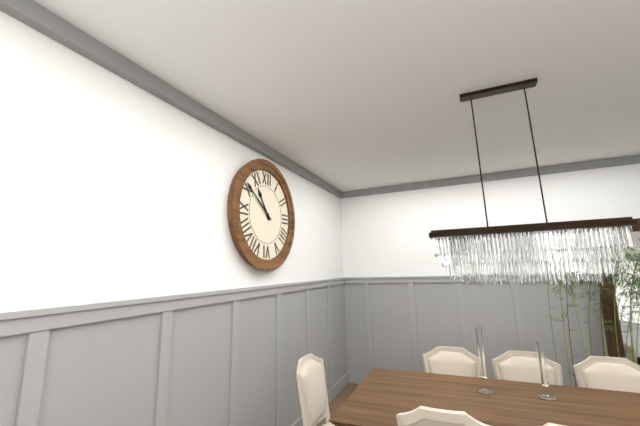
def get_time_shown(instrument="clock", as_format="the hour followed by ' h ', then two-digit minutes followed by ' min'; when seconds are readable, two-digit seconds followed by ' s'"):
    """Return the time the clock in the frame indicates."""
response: 10 h 51 min
